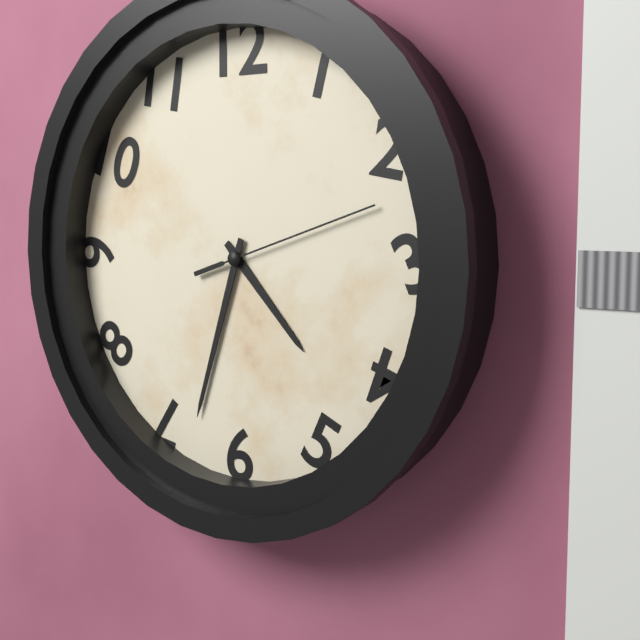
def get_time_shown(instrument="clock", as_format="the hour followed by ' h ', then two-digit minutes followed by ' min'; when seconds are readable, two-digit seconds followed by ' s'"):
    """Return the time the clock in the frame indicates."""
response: 4 h 33 min 12 s
